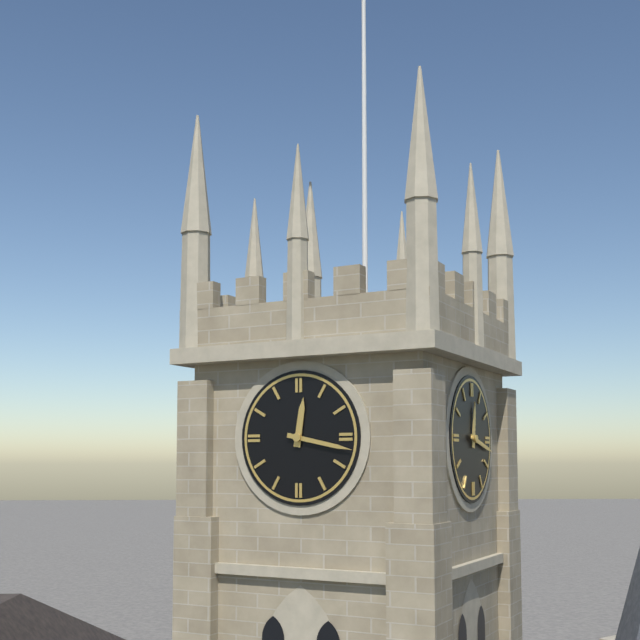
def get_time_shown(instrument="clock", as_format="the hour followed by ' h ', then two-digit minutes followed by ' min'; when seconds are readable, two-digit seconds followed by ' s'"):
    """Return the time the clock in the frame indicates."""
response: 12 h 17 min
